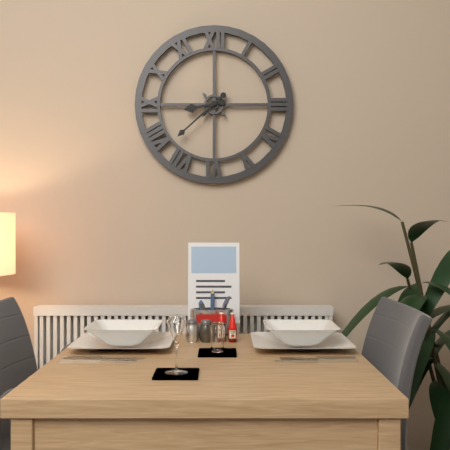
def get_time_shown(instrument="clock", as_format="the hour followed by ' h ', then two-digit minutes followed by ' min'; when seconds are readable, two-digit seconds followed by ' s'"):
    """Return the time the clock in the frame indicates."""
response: 8 h 38 min
